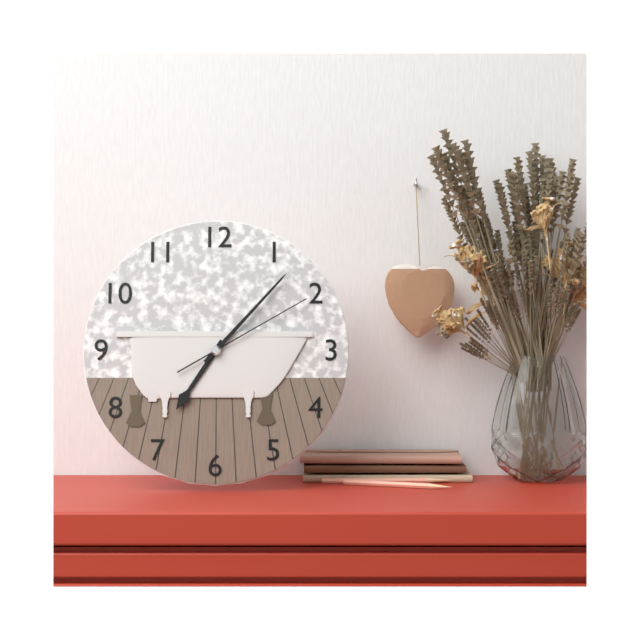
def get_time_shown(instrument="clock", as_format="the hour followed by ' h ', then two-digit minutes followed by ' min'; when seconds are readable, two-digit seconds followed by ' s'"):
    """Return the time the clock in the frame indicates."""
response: 7 h 07 min 10 s
